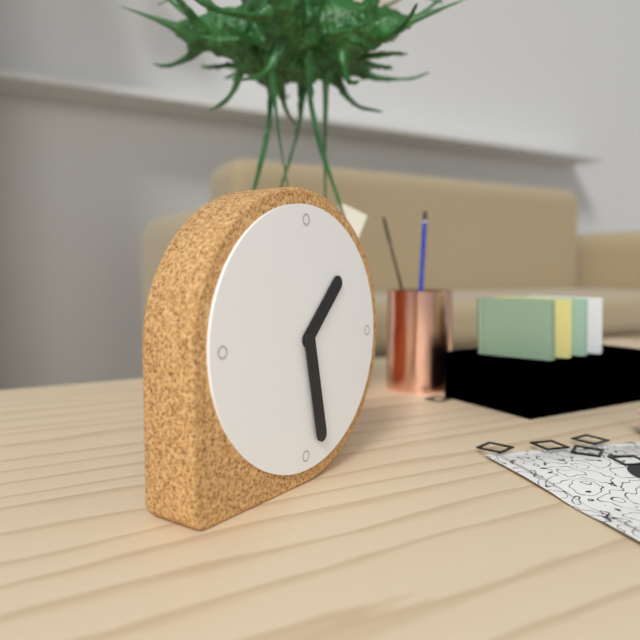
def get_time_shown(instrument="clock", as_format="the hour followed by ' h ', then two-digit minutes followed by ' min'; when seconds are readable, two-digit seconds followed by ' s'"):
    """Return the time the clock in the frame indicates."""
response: 1 h 28 min
